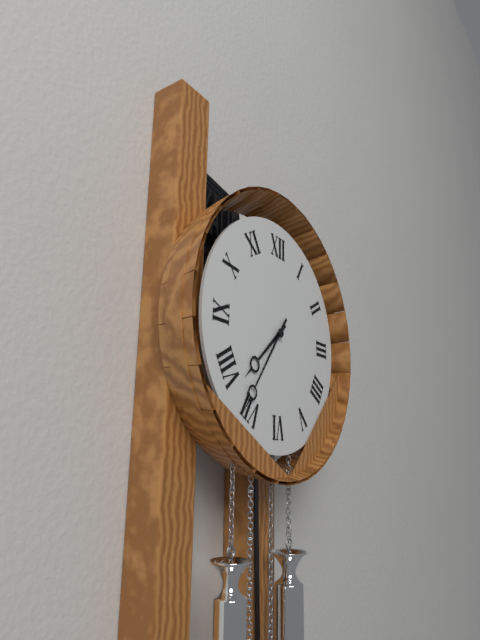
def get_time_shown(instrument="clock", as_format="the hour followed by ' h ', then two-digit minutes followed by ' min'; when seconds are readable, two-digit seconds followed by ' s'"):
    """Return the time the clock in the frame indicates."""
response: 7 h 36 min
